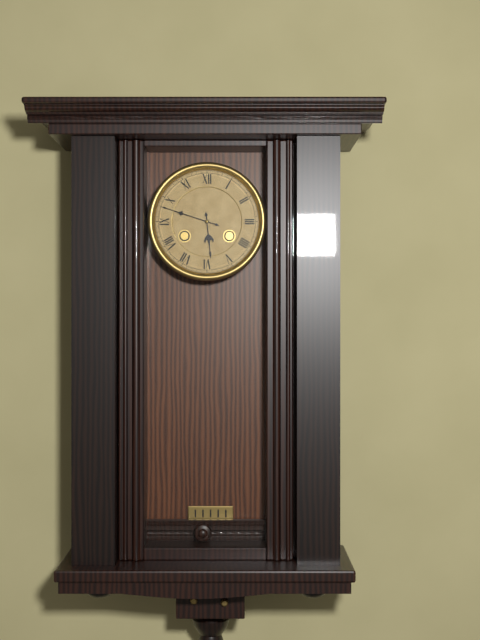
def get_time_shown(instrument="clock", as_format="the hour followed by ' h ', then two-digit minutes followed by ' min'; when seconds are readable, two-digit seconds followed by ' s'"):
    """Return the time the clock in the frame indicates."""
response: 5 h 48 min
